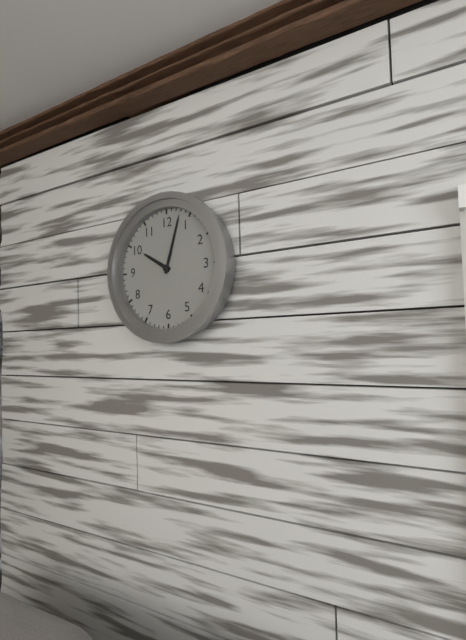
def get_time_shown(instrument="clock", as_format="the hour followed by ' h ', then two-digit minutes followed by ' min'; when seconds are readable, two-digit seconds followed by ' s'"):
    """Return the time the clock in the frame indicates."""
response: 10 h 03 min
